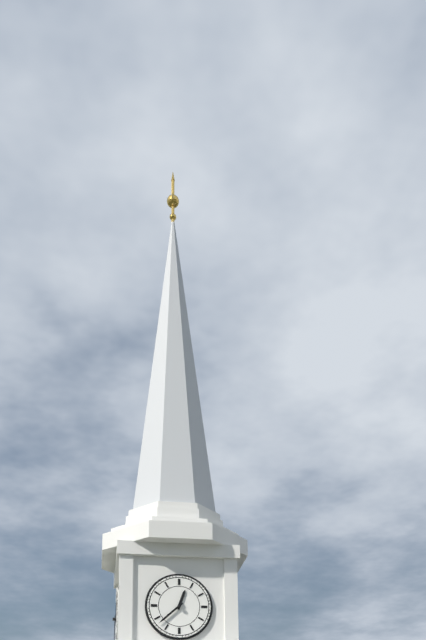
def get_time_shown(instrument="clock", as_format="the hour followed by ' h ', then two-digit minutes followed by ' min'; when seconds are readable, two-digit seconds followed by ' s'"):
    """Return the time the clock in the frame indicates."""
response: 12 h 38 min
